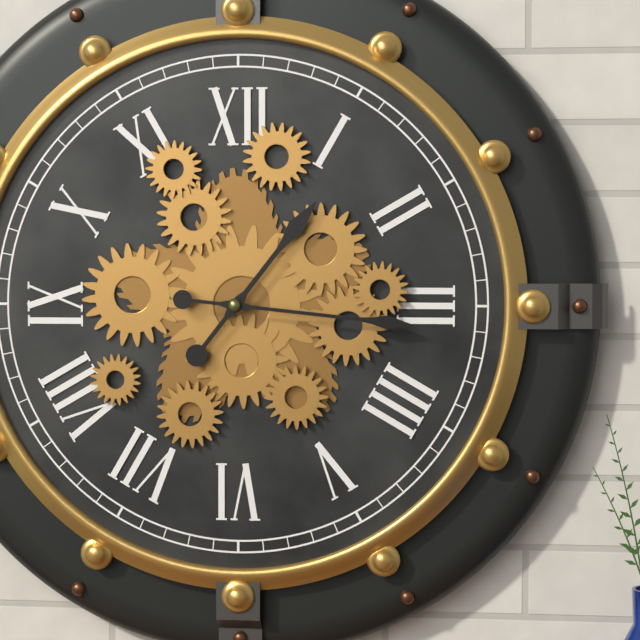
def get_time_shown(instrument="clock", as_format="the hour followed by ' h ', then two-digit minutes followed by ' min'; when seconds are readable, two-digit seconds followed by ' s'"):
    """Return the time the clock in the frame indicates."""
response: 1 h 16 min
